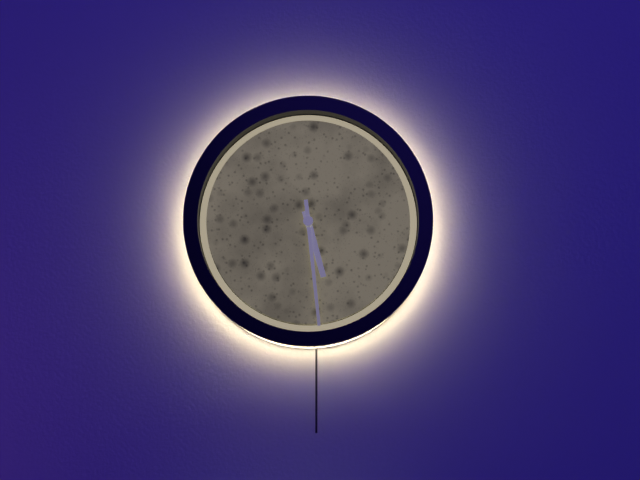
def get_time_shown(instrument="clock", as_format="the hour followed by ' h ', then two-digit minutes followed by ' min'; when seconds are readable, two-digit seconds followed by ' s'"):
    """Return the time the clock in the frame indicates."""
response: 5 h 29 min
